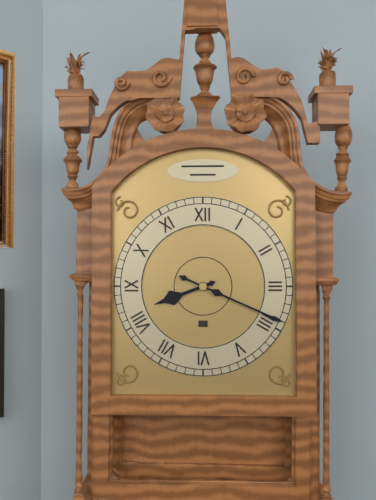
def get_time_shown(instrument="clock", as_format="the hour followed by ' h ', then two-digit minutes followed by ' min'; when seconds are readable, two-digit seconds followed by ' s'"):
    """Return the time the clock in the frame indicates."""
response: 8 h 19 min
